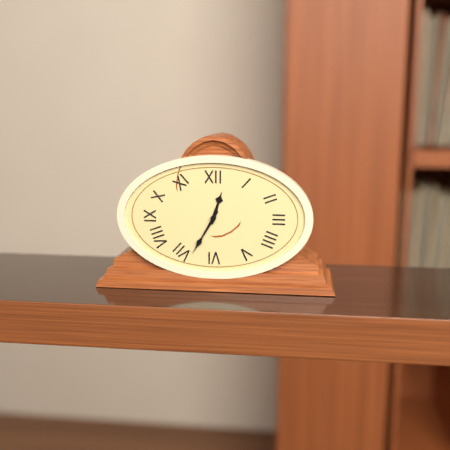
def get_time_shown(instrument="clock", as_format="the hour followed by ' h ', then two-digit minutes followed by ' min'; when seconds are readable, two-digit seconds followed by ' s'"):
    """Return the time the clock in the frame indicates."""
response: 12 h 35 min
